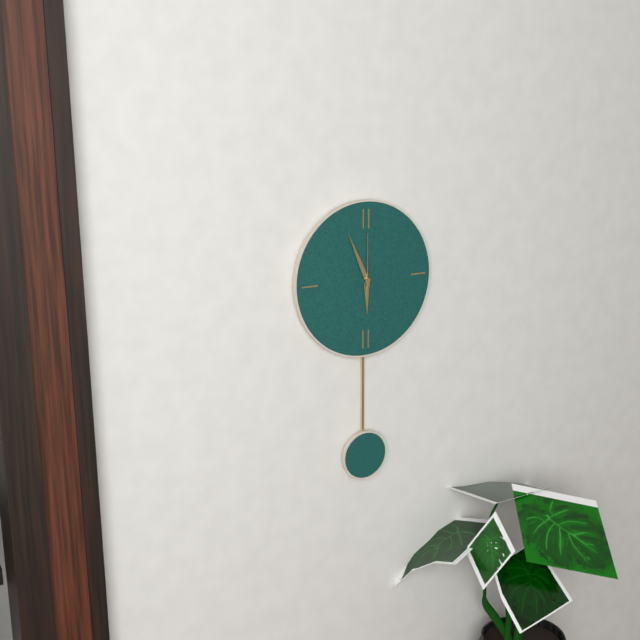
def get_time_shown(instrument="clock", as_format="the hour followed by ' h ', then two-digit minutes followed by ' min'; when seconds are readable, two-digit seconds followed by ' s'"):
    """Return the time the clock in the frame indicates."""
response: 5 h 56 min 00 s
